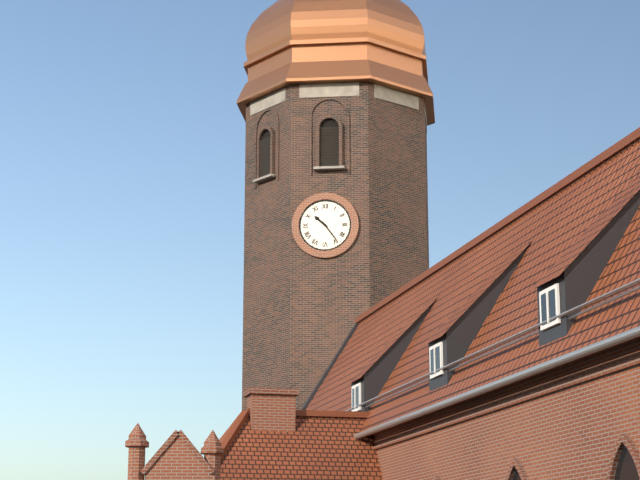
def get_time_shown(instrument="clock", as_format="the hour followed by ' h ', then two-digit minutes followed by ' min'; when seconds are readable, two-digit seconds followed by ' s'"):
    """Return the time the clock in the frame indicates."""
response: 10 h 24 min
